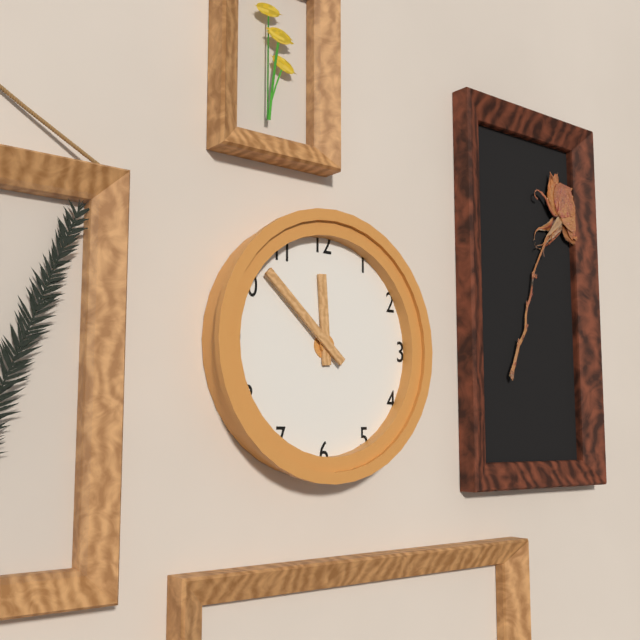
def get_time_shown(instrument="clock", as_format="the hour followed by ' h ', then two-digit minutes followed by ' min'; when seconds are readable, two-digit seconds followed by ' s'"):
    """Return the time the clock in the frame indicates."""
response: 11 h 52 min
